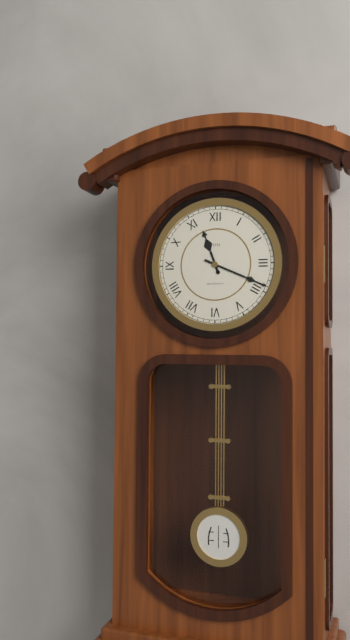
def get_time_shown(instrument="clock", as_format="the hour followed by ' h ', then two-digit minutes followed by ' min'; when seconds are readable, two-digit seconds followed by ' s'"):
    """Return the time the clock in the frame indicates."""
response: 11 h 19 min
